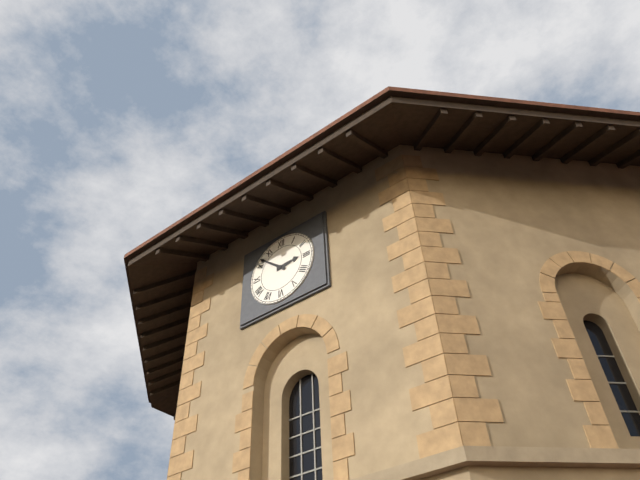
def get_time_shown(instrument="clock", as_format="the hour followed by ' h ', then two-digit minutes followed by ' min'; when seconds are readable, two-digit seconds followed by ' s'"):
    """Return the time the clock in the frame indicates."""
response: 2 h 52 min
